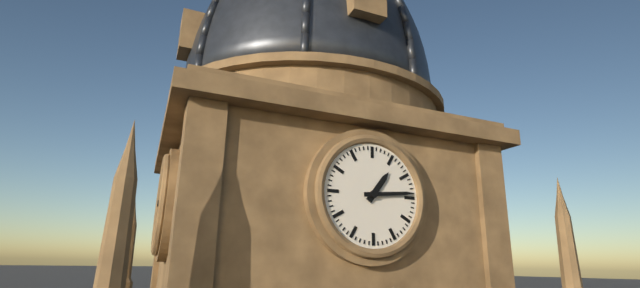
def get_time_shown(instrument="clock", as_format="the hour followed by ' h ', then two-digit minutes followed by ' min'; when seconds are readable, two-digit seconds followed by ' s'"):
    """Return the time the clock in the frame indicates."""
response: 1 h 14 min
